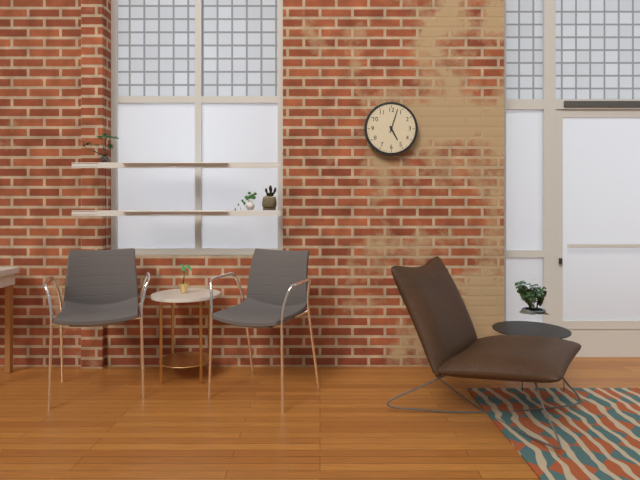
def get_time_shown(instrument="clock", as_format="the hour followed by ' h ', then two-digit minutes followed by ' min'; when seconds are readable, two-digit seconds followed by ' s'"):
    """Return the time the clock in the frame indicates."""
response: 5 h 03 min
